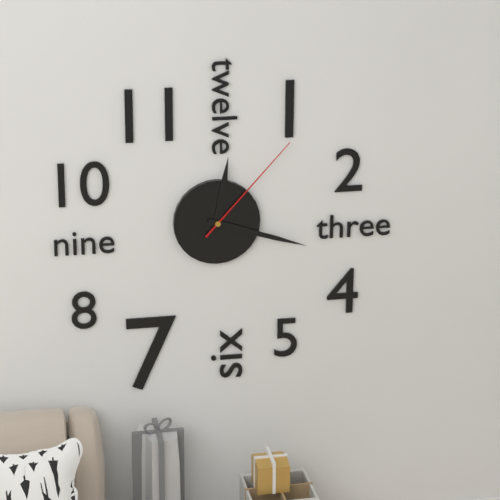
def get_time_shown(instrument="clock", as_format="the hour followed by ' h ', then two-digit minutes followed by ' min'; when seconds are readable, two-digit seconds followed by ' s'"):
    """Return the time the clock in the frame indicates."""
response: 12 h 18 min 07 s
